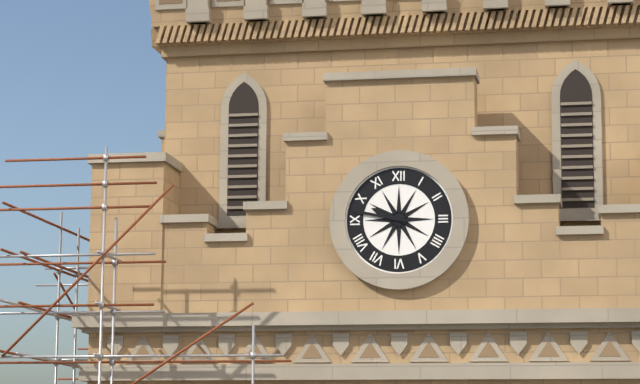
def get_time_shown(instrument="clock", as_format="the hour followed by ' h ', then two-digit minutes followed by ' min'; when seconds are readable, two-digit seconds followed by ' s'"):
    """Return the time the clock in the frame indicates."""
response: 9 h 47 min
